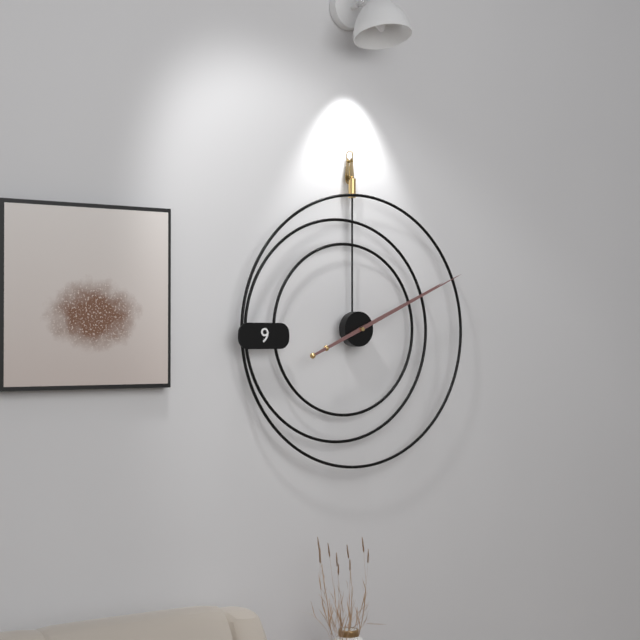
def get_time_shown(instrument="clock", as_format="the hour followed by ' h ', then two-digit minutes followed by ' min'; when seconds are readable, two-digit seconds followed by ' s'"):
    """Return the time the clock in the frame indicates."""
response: 2 h 11 min
